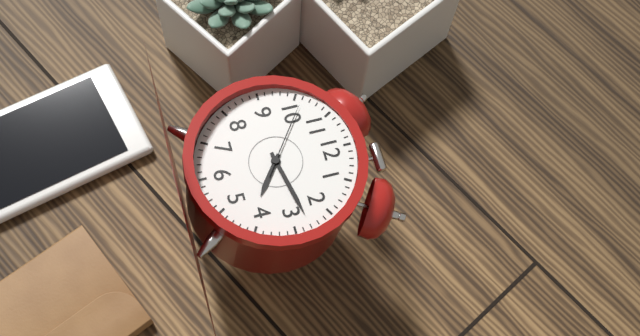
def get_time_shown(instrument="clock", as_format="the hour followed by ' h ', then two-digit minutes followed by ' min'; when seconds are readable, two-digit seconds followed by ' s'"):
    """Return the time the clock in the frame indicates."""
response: 4 h 13 min 51 s
